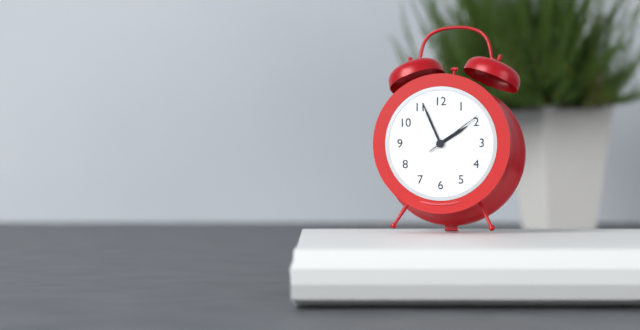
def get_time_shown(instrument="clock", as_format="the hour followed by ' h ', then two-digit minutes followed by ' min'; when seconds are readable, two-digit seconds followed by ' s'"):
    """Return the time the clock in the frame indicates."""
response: 1 h 56 min 09 s
